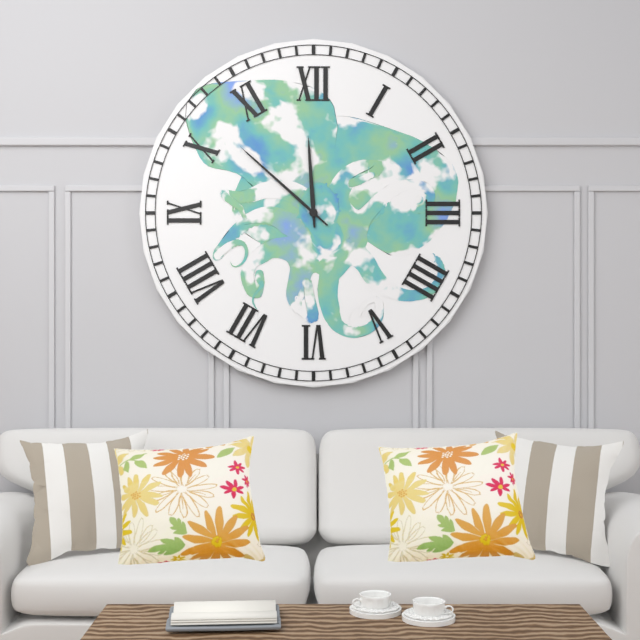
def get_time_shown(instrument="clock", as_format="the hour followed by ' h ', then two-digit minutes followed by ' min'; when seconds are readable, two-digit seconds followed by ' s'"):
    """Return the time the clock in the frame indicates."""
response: 11 h 52 min
